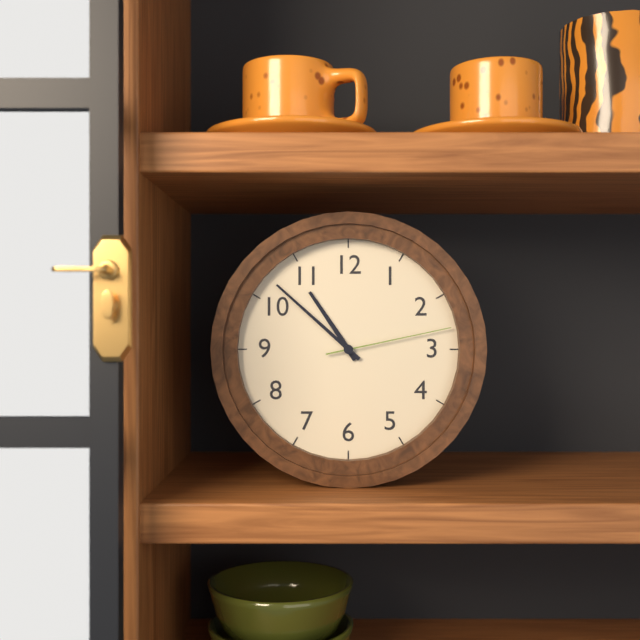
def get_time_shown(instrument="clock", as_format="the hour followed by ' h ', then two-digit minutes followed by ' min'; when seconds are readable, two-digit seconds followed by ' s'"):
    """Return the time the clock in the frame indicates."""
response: 10 h 52 min 13 s
